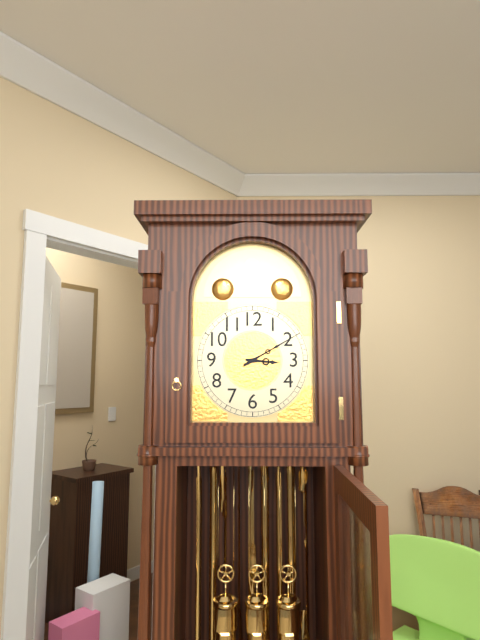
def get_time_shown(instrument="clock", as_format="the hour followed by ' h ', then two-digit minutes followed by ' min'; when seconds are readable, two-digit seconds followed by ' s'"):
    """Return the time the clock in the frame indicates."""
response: 3 h 10 min
